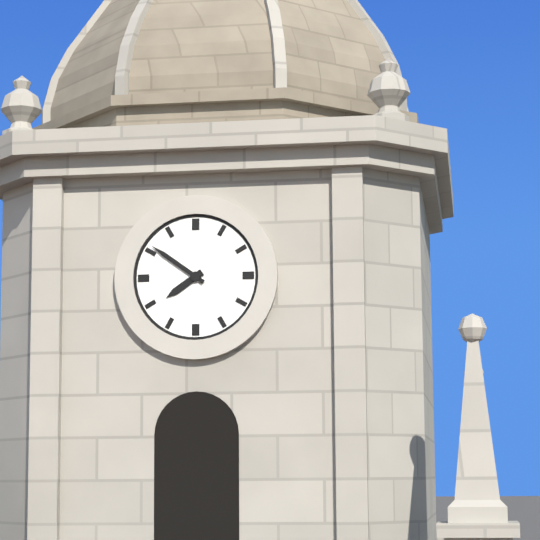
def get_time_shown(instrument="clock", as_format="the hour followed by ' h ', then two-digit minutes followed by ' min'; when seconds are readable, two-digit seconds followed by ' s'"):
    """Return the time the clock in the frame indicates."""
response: 7 h 51 min
